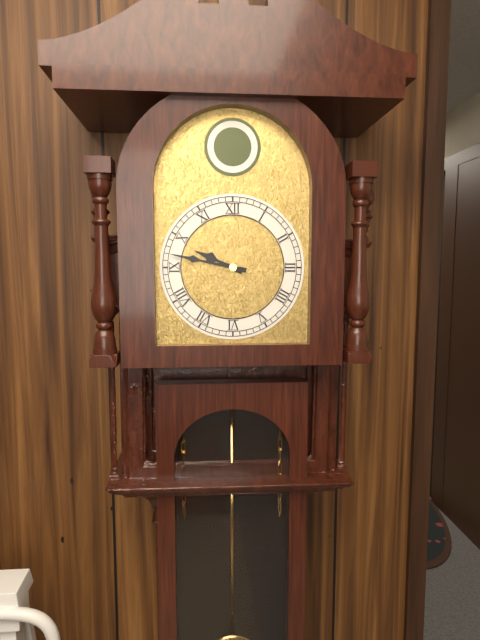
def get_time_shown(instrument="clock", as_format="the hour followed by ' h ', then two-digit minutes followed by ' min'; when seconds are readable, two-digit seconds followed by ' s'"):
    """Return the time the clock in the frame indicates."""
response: 9 h 47 min
